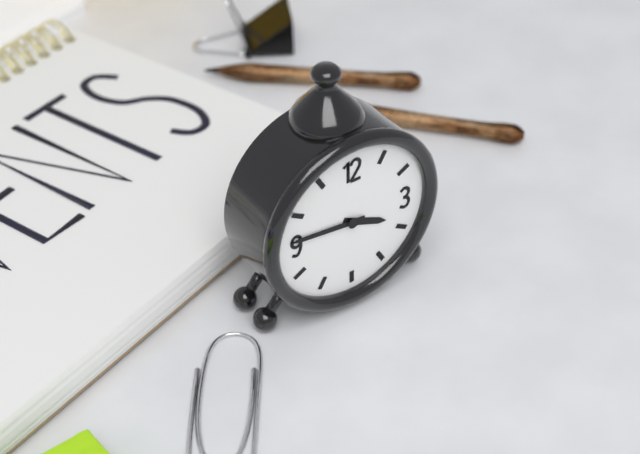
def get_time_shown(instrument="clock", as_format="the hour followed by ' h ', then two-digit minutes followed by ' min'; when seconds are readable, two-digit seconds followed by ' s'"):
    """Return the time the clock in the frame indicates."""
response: 3 h 46 min
